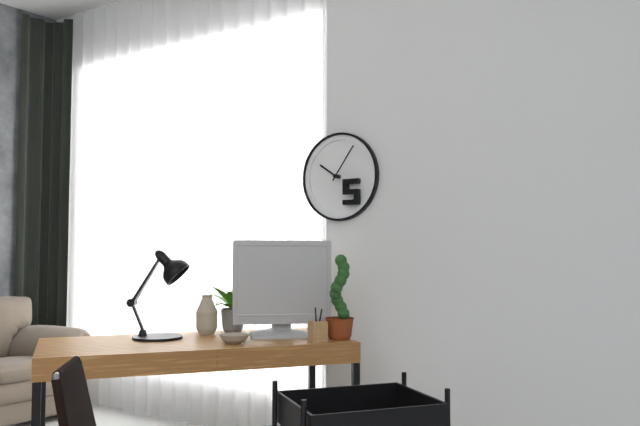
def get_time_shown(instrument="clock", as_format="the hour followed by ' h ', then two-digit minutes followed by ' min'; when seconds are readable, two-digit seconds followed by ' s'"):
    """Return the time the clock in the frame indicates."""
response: 10 h 06 min
